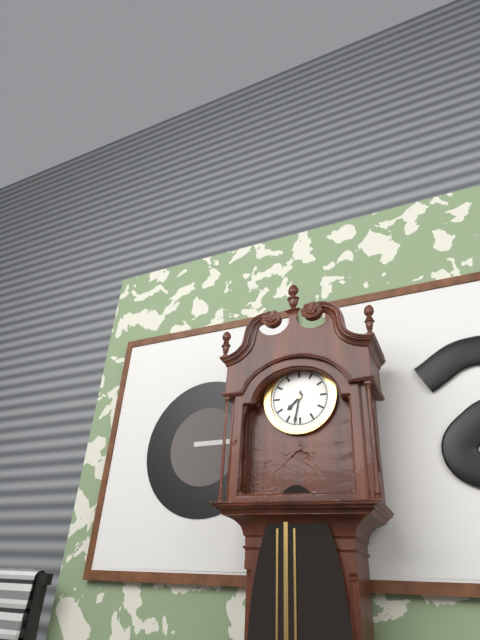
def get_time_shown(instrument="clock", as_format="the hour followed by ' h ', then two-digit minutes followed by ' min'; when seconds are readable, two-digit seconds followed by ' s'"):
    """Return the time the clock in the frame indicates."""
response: 7 h 32 min
